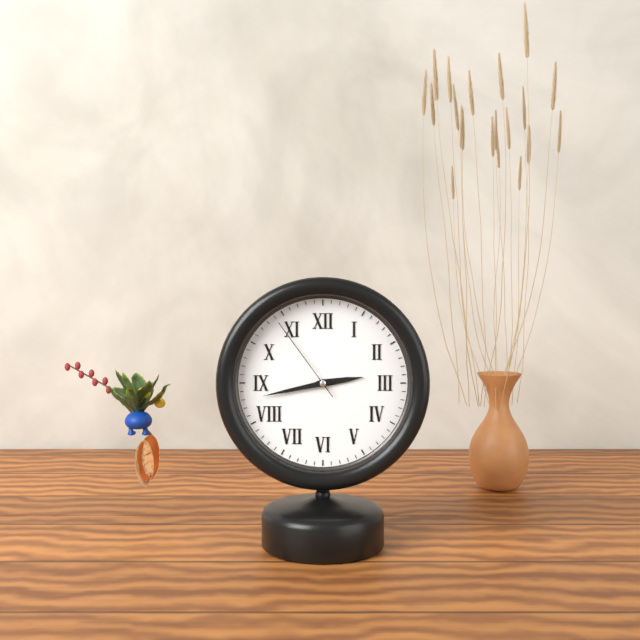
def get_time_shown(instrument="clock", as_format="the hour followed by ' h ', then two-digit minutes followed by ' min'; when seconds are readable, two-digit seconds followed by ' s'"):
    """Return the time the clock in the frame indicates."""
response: 2 h 43 min 54 s
